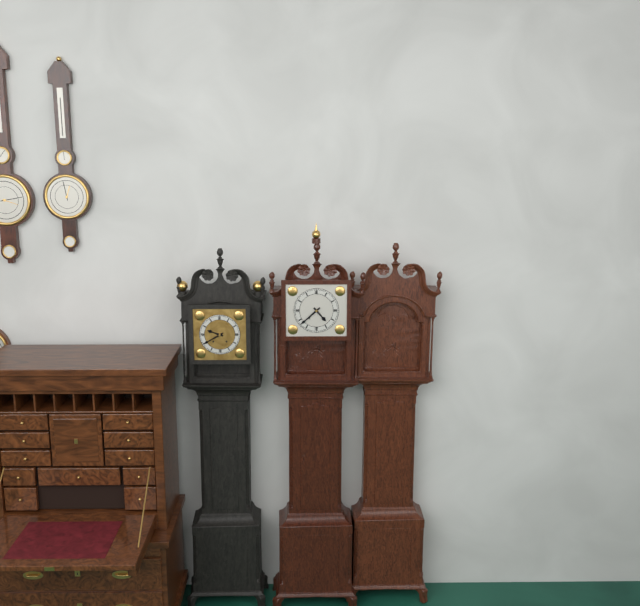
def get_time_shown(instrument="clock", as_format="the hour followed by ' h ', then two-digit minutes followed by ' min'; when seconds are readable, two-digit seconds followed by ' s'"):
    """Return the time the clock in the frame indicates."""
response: 4 h 38 min
